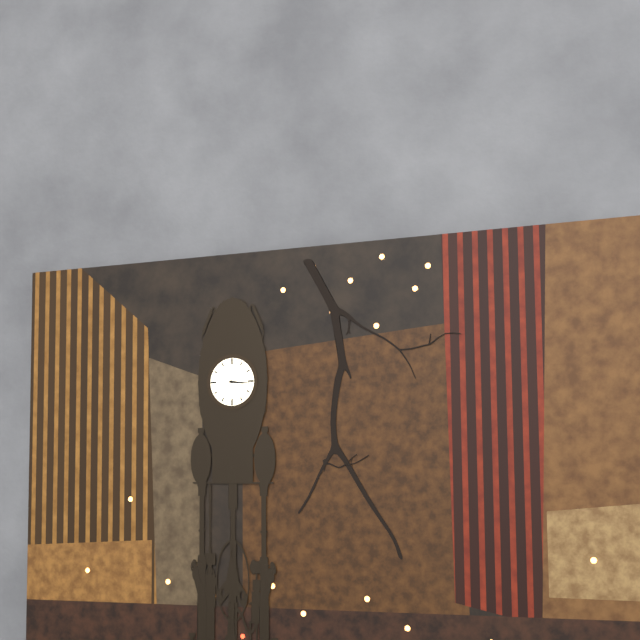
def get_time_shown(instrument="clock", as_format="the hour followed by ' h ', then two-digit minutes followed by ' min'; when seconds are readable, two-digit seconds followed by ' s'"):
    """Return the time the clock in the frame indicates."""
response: 3 h 16 min
